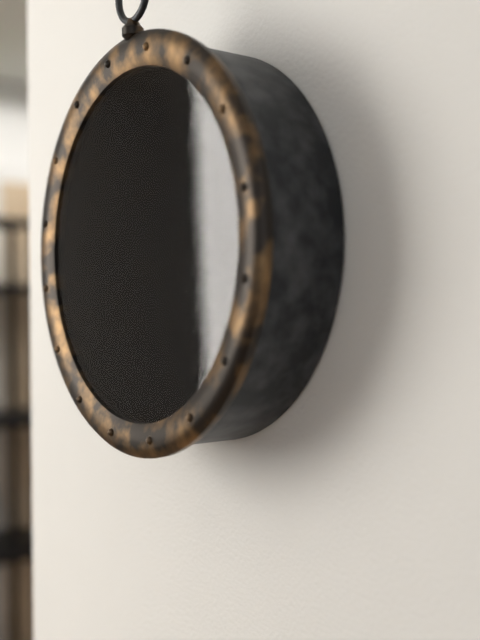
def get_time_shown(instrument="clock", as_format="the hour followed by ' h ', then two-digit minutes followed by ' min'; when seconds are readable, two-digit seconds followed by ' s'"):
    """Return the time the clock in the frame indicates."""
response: 4 h 45 min
